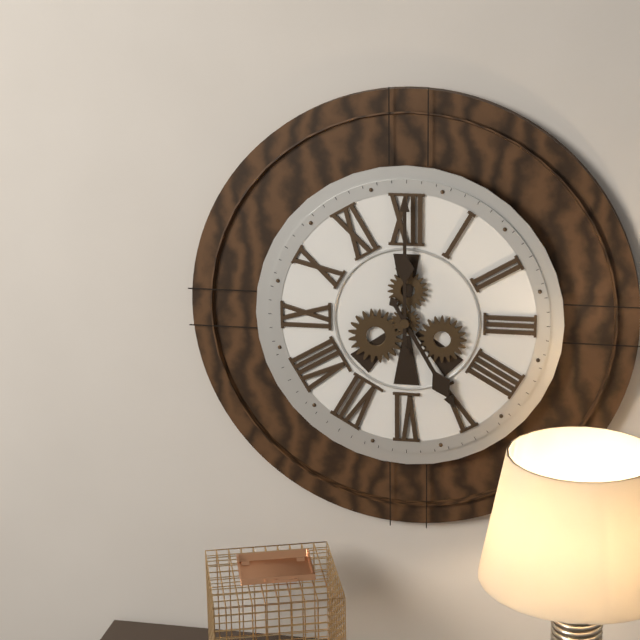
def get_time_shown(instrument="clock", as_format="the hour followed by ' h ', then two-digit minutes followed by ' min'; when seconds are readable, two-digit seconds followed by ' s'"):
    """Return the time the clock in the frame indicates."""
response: 5 h 00 min
